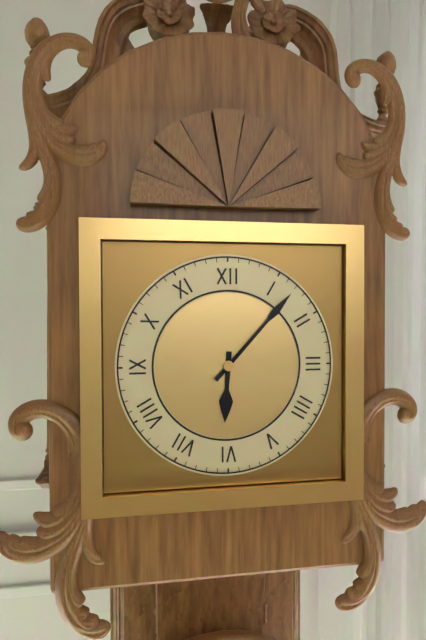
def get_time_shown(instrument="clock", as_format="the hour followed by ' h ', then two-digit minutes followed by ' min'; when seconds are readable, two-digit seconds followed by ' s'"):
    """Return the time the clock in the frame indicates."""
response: 6 h 07 min
